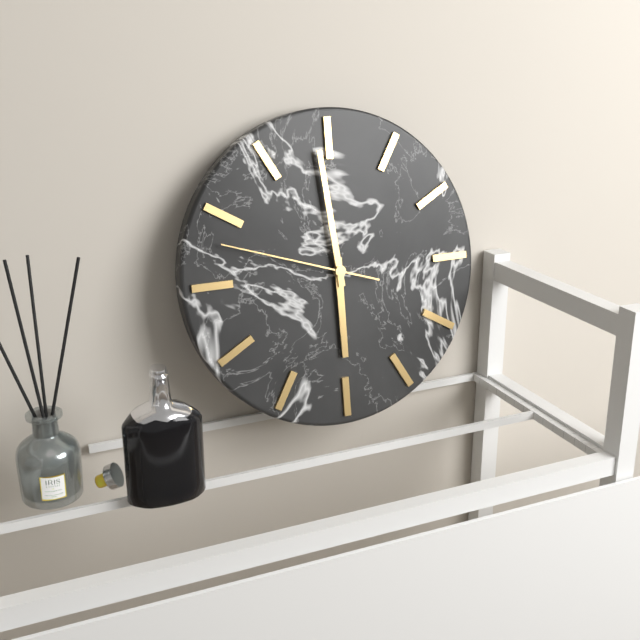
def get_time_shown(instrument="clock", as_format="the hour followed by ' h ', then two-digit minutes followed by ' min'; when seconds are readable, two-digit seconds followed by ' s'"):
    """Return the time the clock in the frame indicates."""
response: 5 h 59 min 48 s
